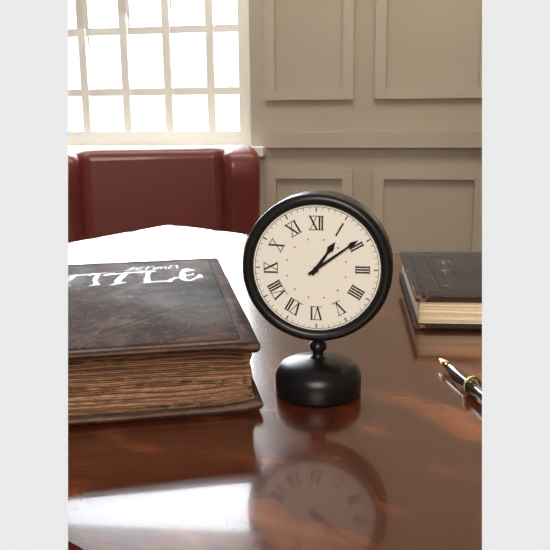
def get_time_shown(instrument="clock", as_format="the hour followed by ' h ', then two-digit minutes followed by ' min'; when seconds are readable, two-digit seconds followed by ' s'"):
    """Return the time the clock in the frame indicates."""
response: 1 h 09 min
